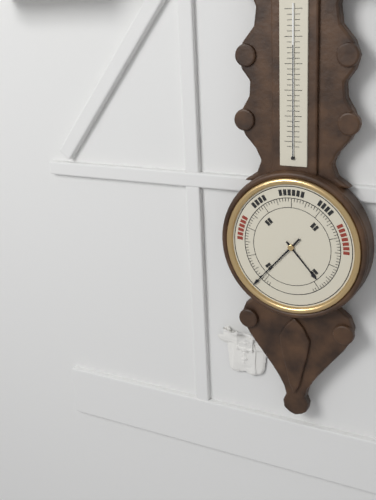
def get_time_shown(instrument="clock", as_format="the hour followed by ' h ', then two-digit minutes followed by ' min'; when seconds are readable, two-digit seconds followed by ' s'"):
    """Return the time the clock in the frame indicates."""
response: 4 h 37 min
